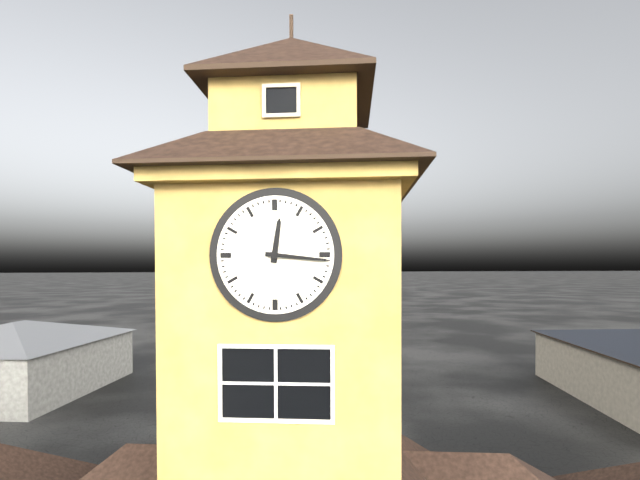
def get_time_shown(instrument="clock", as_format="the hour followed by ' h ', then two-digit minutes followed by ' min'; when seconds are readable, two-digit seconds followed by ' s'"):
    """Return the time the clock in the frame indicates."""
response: 12 h 16 min
